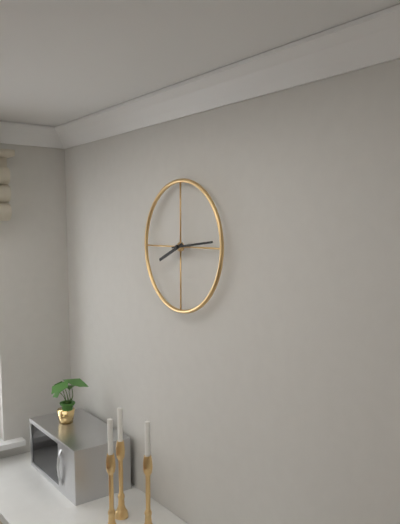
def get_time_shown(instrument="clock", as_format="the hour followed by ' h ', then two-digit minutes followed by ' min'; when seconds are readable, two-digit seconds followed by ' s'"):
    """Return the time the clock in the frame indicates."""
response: 8 h 14 min
